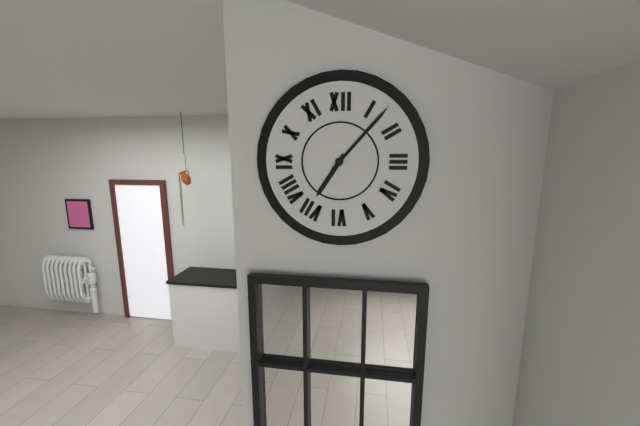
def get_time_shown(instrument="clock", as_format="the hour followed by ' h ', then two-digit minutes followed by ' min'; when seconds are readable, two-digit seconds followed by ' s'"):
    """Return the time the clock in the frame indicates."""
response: 7 h 07 min
